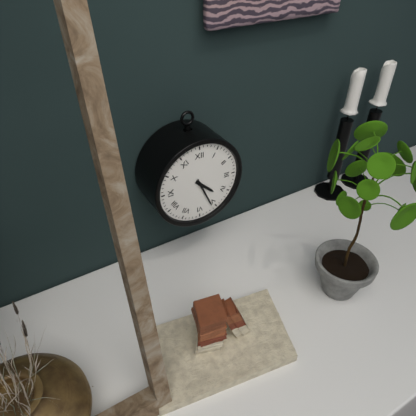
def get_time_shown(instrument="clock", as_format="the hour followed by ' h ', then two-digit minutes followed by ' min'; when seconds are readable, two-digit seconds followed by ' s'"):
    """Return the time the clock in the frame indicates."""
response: 4 h 26 min
